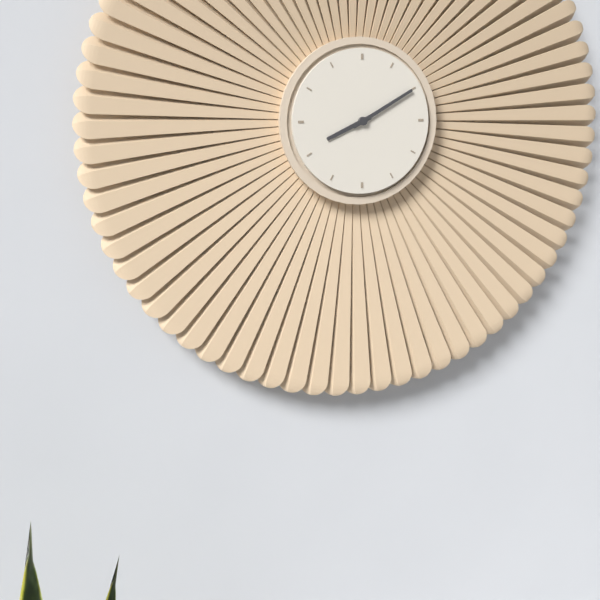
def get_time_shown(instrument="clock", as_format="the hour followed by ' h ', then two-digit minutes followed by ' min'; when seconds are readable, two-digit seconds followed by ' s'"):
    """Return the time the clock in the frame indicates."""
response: 8 h 10 min
